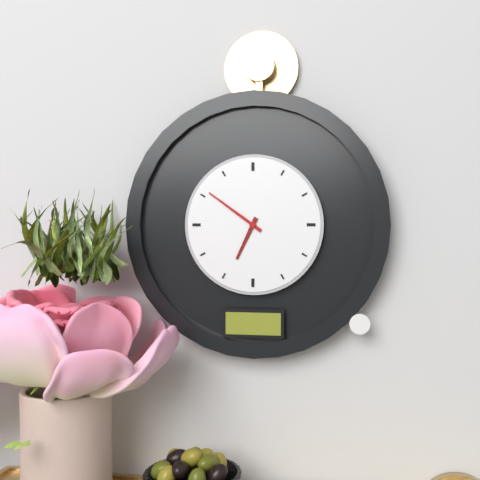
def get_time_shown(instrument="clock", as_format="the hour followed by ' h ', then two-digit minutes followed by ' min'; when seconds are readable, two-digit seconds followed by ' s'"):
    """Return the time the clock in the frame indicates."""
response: 6 h 51 min
